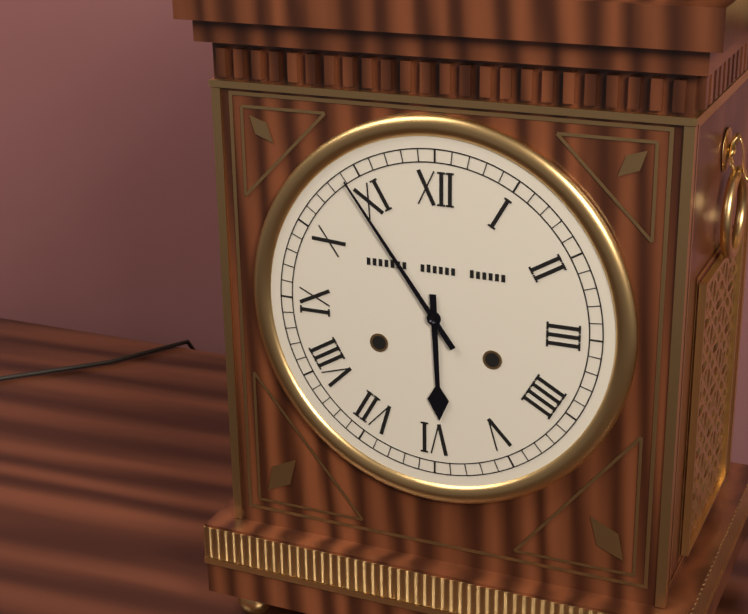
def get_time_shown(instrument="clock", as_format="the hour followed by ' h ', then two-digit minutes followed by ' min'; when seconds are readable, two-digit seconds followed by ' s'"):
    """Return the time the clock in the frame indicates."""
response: 5 h 54 min
